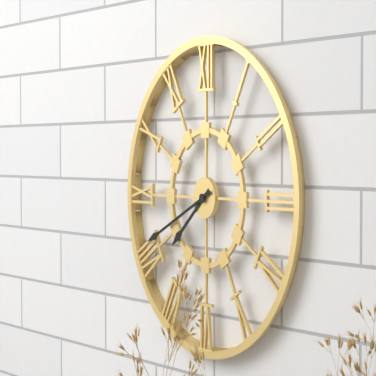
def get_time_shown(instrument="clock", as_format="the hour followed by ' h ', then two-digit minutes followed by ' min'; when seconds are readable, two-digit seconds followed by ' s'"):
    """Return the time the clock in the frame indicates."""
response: 7 h 41 min
